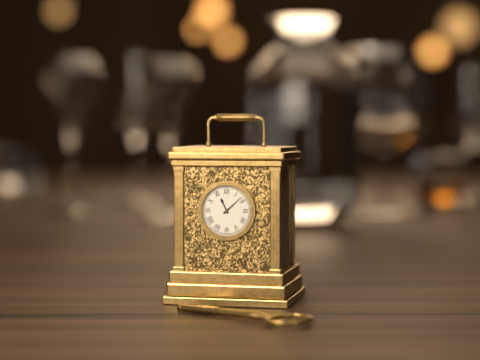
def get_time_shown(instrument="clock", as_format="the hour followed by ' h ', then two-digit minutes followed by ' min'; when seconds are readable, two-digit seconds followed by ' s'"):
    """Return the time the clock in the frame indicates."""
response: 11 h 08 min
